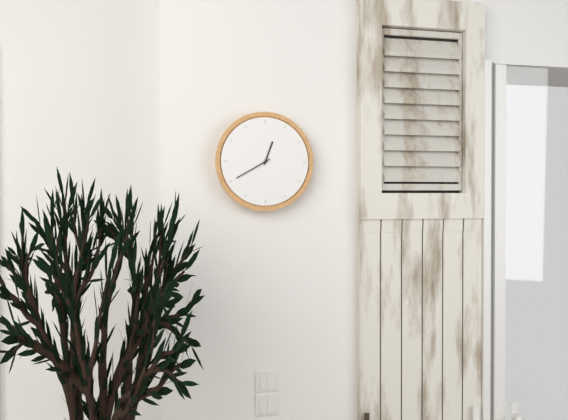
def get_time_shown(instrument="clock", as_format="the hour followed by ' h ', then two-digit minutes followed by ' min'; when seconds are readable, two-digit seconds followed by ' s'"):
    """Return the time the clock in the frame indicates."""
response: 12 h 40 min
